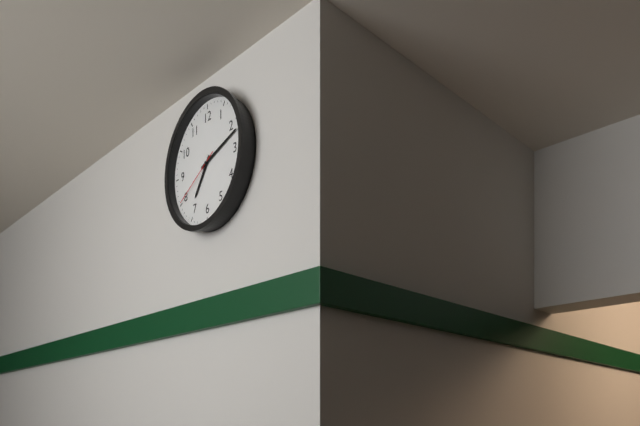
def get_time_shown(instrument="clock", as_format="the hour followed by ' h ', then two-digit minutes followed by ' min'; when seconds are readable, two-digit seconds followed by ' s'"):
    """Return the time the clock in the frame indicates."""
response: 7 h 12 min 40 s
